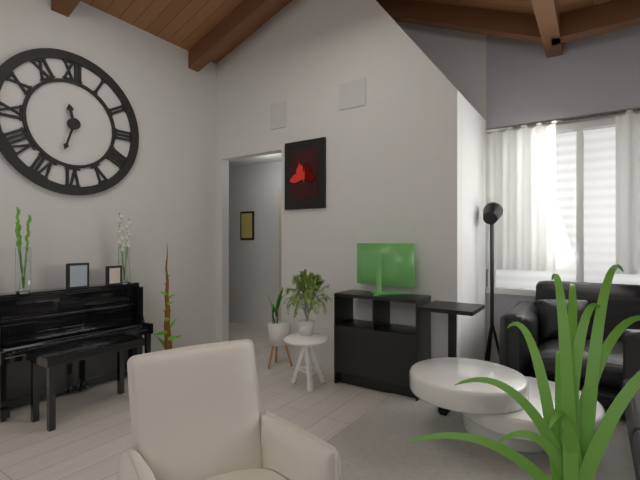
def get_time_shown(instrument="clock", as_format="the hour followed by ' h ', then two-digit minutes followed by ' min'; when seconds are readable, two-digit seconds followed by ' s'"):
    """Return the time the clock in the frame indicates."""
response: 11 h 33 min
